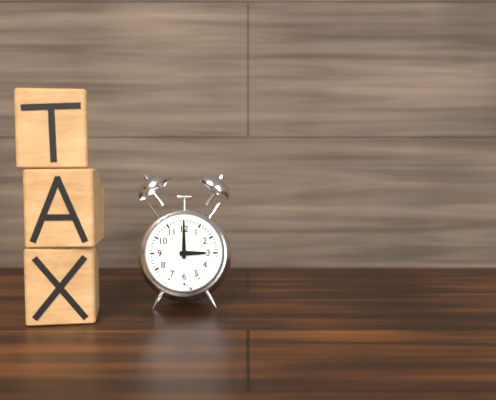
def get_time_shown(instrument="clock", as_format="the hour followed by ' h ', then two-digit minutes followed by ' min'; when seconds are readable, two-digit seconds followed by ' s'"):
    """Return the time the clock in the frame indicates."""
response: 3 h 00 min
